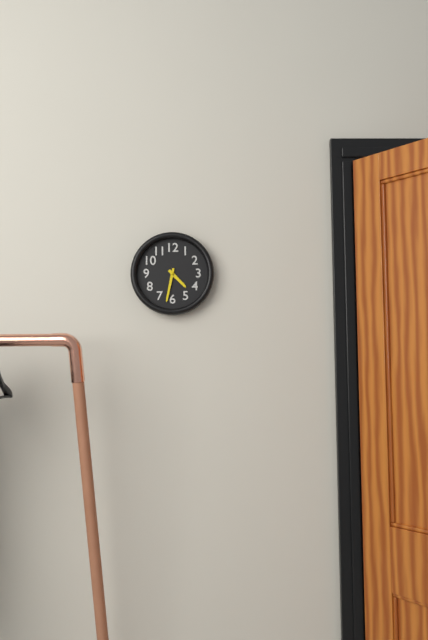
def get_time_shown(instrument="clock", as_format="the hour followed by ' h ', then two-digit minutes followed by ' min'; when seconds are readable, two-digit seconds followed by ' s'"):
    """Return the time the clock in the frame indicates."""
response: 4 h 32 min
